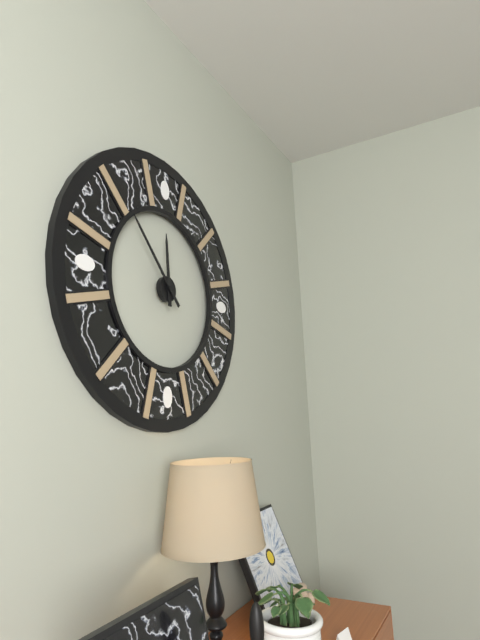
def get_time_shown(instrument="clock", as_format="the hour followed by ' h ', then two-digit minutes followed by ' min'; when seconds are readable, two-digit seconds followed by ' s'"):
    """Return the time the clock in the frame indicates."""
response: 11 h 53 min
